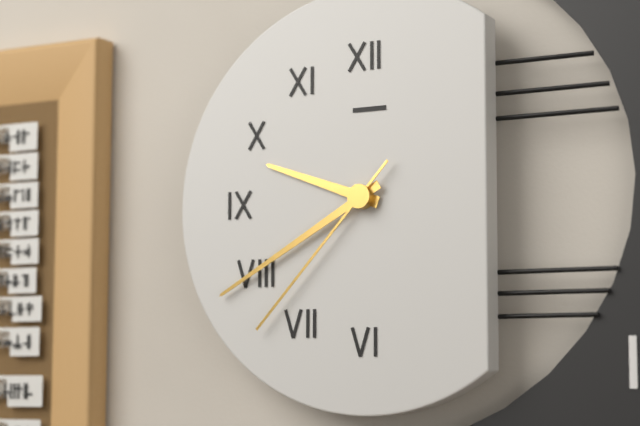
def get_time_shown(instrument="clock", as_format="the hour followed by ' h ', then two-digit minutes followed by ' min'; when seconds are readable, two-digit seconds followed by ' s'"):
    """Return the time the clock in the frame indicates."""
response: 9 h 40 min 37 s
